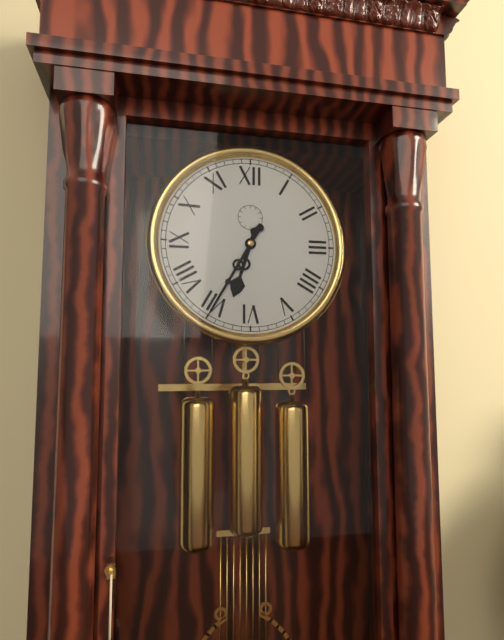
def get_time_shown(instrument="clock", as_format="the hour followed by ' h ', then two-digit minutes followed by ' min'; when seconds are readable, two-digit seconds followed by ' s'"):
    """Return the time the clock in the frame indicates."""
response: 6 h 35 min
